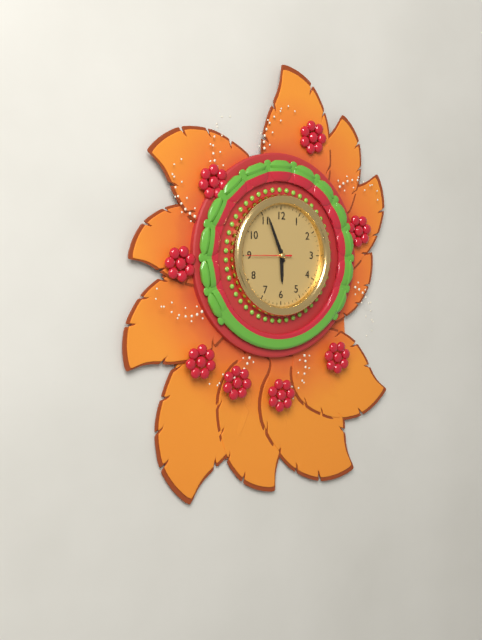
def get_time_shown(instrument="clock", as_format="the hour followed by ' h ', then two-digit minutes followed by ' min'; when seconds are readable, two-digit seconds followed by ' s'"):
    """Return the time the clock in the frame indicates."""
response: 5 h 56 min
